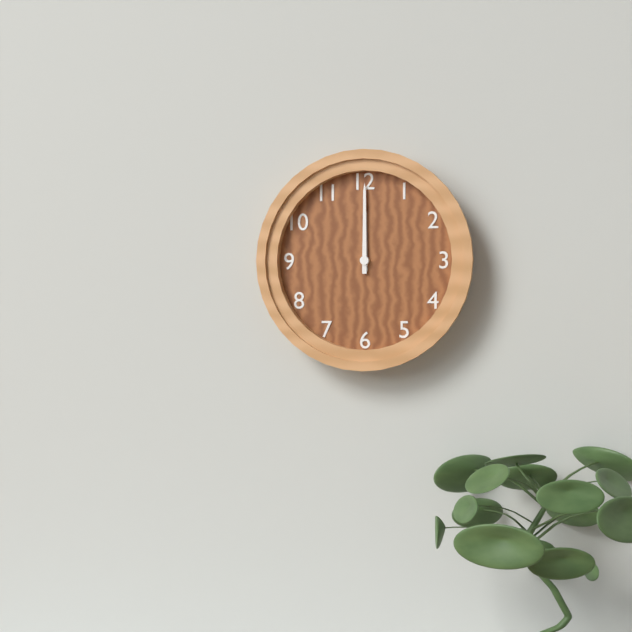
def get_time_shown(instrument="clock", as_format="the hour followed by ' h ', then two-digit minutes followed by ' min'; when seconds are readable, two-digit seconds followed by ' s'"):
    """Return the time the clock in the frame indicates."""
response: 12 h 00 min
